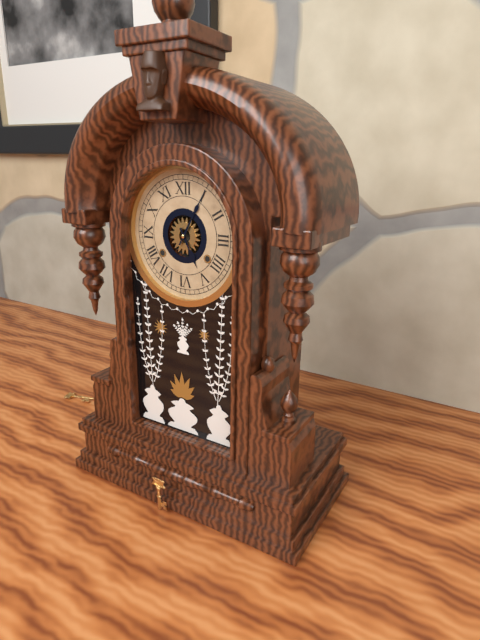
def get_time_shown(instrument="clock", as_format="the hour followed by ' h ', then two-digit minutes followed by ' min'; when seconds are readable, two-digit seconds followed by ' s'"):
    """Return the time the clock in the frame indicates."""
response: 5 h 05 min
